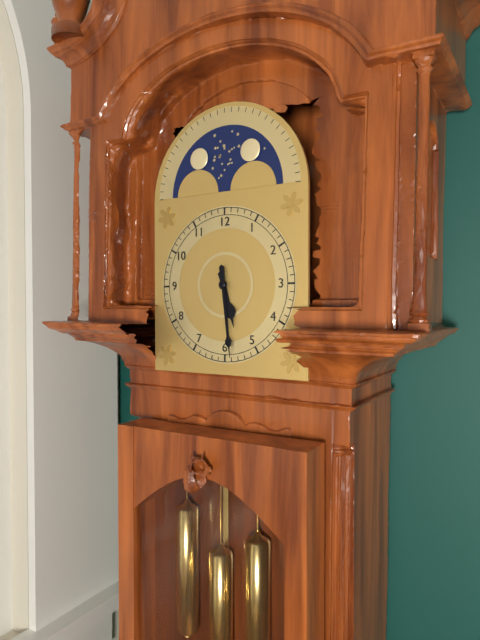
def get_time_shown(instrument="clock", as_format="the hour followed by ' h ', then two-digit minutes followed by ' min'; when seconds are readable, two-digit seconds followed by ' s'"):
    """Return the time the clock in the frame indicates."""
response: 5 h 29 min
